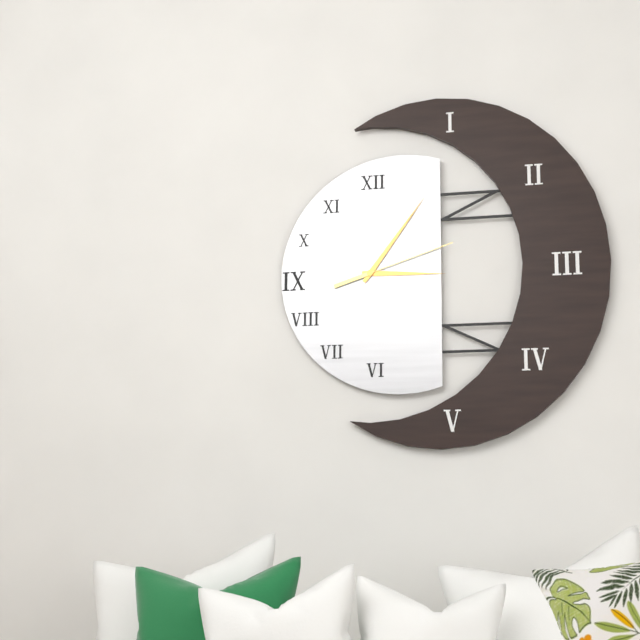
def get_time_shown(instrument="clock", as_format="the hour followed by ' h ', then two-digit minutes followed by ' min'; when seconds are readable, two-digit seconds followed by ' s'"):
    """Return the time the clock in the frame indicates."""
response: 3 h 06 min 12 s
